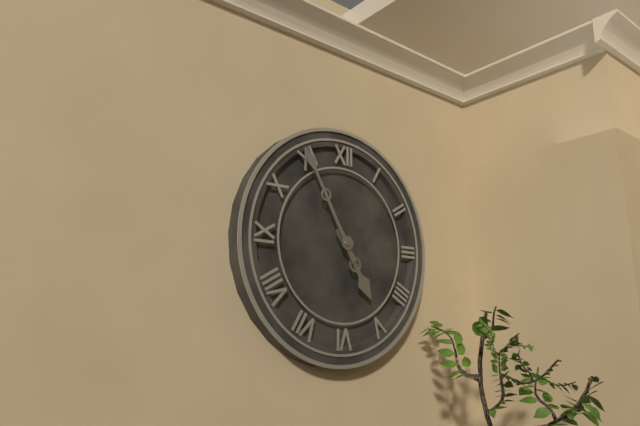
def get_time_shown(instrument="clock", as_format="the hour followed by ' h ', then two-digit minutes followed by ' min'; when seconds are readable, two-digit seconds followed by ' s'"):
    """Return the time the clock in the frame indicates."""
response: 4 h 55 min
